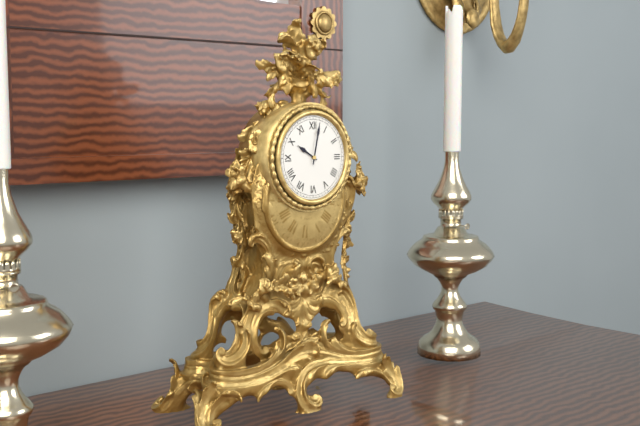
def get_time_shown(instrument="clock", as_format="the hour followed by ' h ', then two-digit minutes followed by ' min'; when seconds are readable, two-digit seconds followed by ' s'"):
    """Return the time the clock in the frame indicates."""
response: 10 h 02 min
